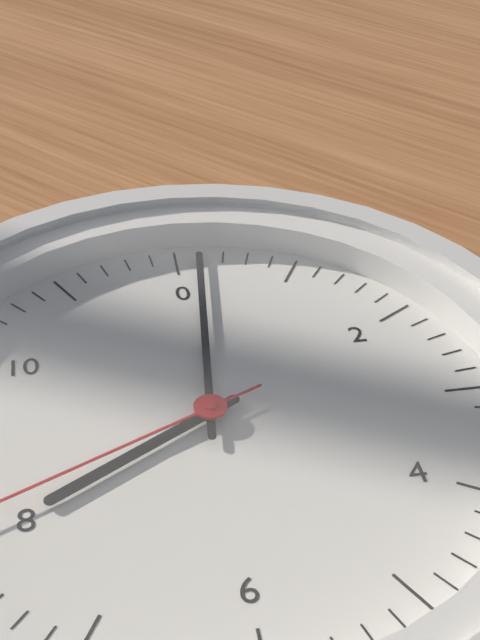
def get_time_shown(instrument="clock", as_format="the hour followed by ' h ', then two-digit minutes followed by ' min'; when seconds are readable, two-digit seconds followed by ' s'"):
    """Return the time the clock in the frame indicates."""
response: 8 h 01 min
